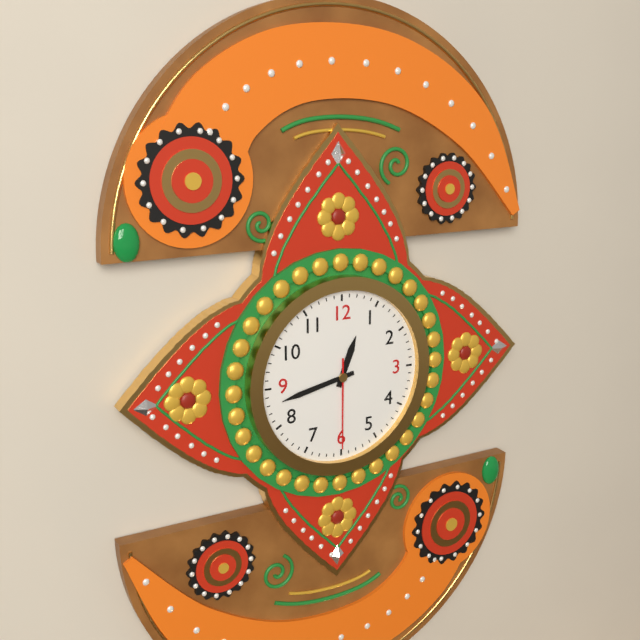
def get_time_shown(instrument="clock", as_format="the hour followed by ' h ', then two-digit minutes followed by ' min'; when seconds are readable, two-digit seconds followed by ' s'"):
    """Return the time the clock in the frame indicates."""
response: 12 h 43 min 30 s
